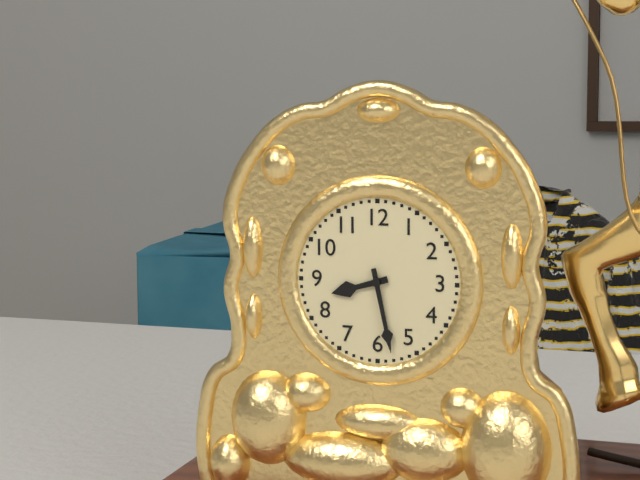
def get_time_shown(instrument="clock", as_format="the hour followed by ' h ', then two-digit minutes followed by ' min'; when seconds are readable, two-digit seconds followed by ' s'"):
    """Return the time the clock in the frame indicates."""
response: 8 h 28 min
